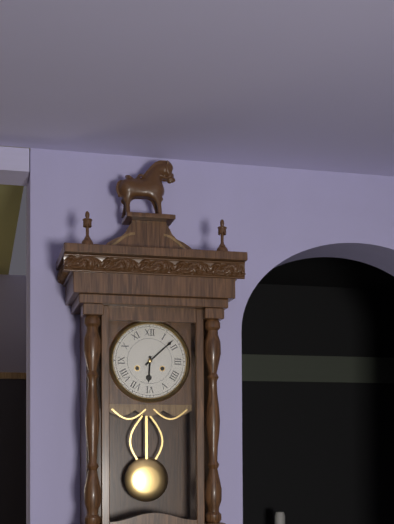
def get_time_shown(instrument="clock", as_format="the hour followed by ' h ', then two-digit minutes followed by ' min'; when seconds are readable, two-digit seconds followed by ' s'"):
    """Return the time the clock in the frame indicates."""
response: 6 h 08 min
